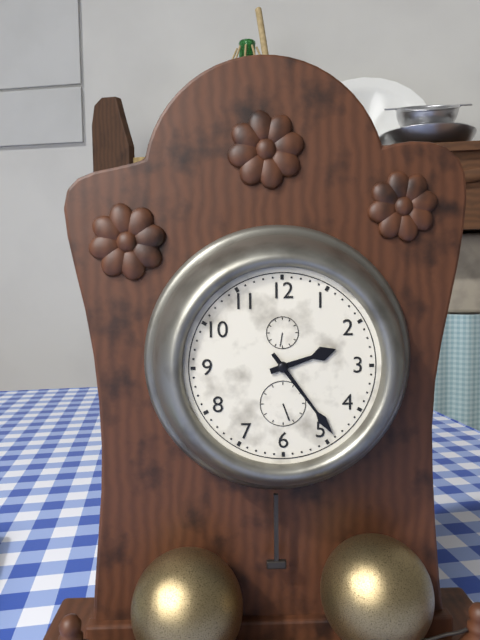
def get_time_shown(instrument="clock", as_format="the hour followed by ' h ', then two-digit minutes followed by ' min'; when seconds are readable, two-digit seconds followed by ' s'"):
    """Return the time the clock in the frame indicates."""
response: 2 h 24 min
